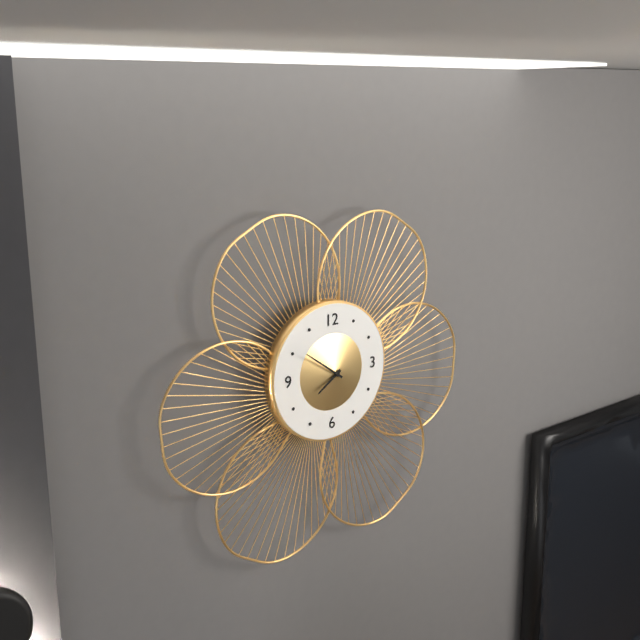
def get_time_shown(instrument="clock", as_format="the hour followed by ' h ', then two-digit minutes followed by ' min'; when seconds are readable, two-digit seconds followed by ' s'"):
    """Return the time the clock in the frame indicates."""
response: 7 h 51 min
